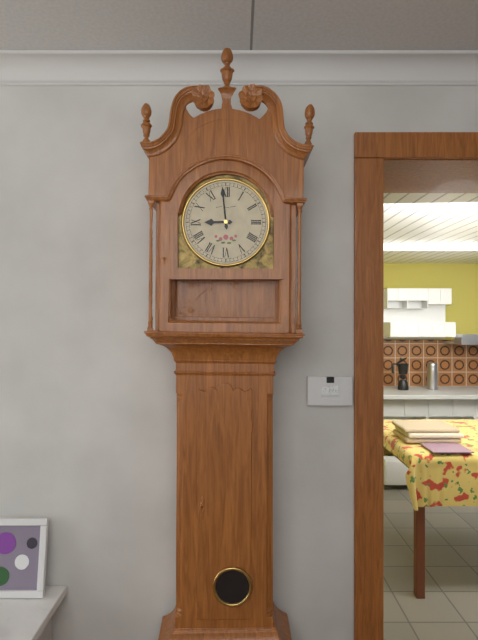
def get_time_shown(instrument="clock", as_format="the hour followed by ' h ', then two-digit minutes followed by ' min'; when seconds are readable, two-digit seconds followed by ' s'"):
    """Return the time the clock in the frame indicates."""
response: 8 h 59 min
